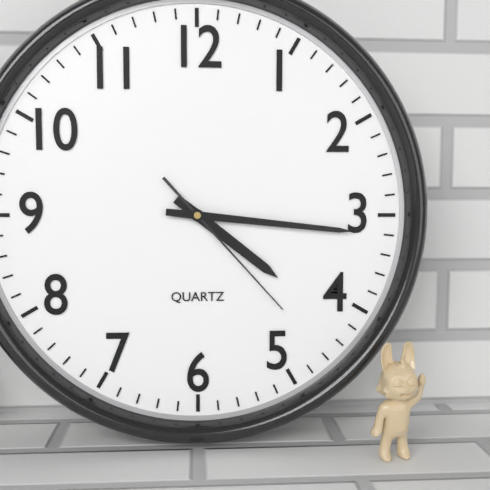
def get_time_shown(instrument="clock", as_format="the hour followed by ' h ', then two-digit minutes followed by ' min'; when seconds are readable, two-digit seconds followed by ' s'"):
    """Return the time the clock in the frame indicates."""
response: 4 h 16 min 23 s
